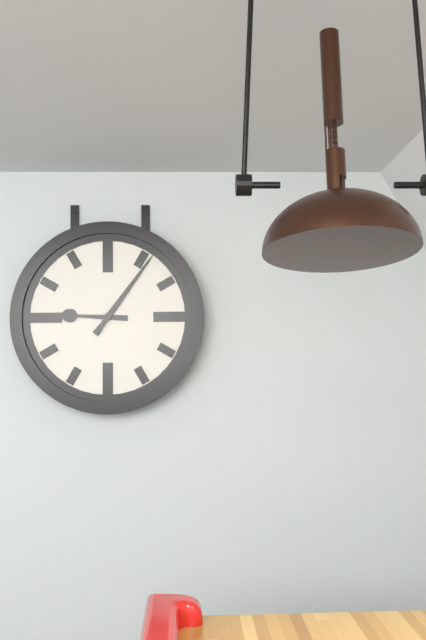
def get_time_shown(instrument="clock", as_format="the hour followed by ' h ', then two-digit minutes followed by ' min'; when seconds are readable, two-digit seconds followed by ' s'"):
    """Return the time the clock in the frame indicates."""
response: 9 h 06 min
